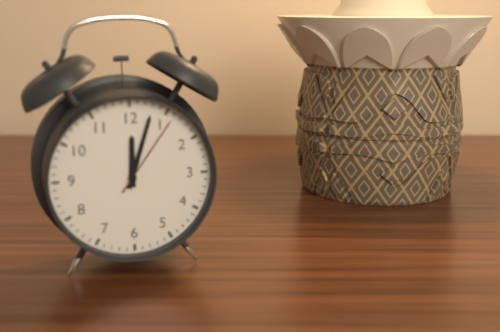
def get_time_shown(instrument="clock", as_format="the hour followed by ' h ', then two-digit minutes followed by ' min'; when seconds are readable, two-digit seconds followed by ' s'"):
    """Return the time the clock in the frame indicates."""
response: 12 h 03 min 06 s
